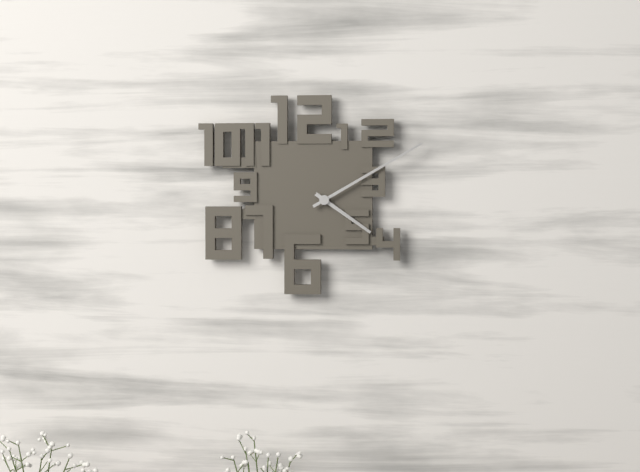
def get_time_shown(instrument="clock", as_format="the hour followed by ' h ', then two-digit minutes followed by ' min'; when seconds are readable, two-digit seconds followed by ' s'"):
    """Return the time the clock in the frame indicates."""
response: 4 h 10 min
